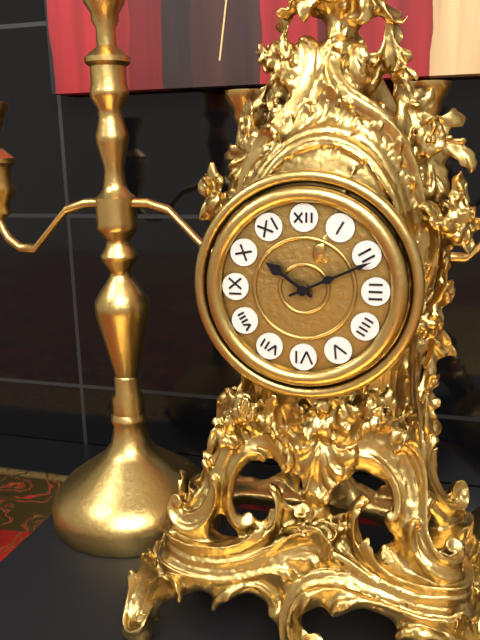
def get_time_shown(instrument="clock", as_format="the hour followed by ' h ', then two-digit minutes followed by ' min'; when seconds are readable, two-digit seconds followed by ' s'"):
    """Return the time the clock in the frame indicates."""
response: 10 h 11 min
